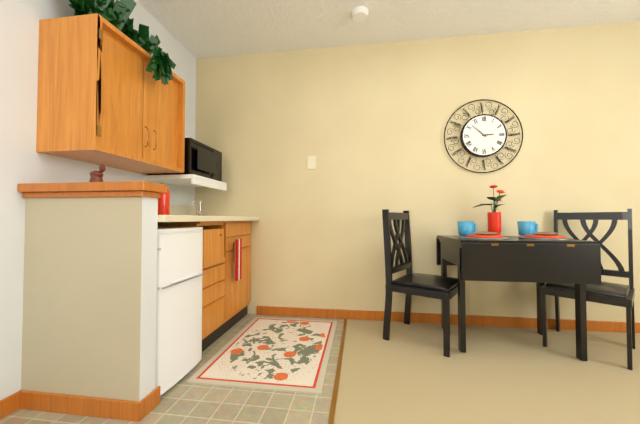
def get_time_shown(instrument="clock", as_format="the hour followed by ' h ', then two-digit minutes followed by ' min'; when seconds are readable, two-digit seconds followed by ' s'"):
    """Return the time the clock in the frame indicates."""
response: 2 h 52 min
